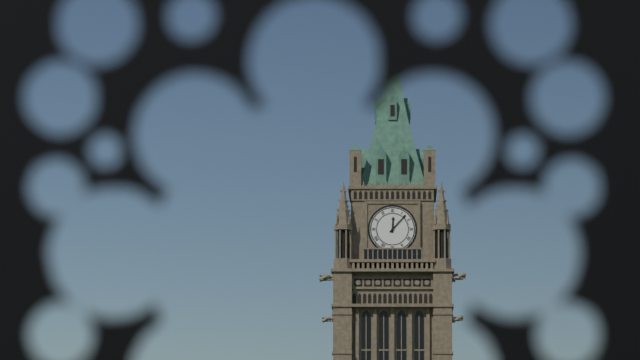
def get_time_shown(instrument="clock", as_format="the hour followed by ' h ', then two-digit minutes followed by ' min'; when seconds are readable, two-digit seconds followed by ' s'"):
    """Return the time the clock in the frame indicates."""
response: 12 h 07 min
